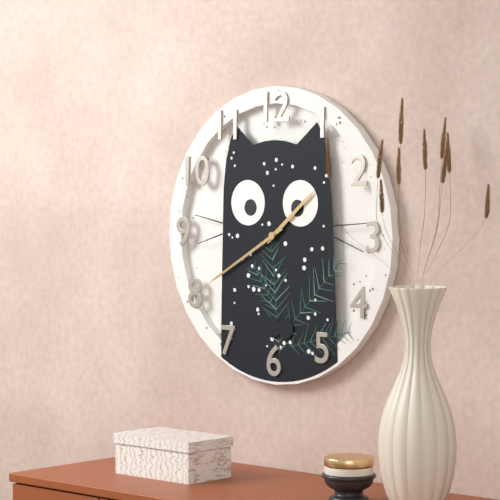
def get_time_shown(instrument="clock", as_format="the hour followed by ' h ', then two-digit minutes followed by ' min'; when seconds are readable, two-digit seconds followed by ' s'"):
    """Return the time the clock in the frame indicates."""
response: 1 h 40 min
